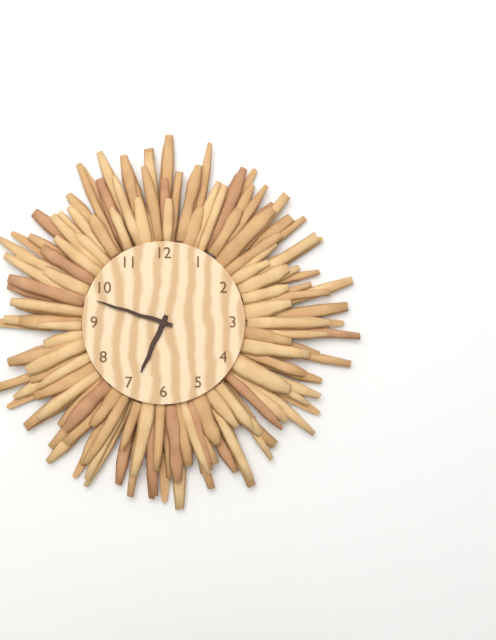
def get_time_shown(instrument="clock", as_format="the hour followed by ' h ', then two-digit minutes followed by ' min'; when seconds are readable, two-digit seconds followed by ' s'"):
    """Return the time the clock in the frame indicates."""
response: 6 h 48 min
